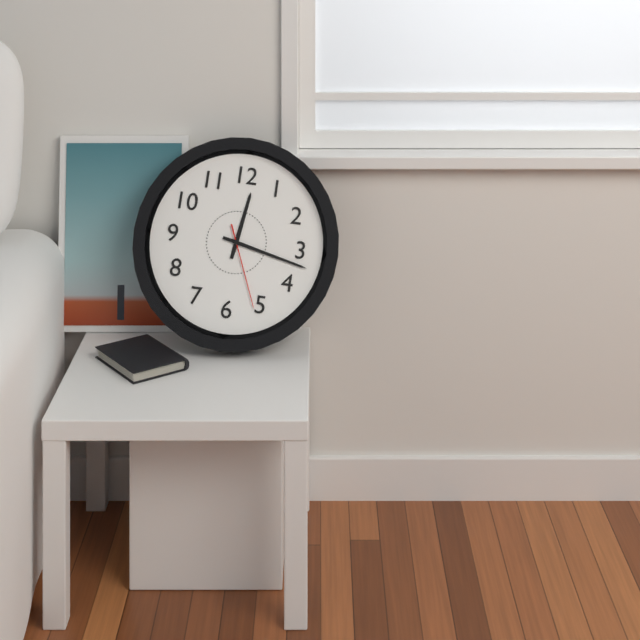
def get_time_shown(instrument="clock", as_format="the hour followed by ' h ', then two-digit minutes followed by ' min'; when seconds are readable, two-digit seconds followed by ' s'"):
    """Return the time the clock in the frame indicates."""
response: 12 h 17 min 26 s
